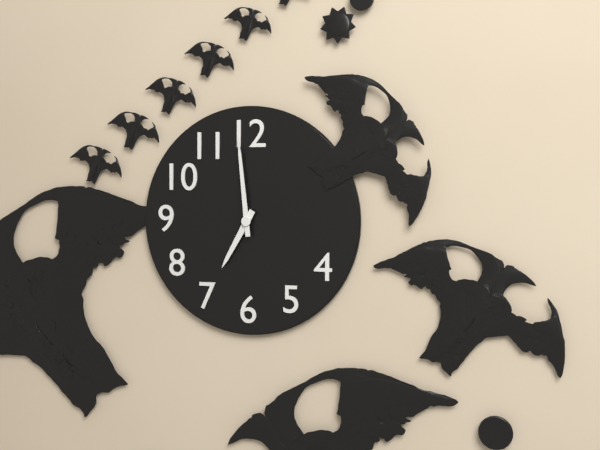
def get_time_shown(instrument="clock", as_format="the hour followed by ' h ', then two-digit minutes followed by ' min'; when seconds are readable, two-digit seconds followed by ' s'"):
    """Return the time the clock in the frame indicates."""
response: 6 h 59 min
